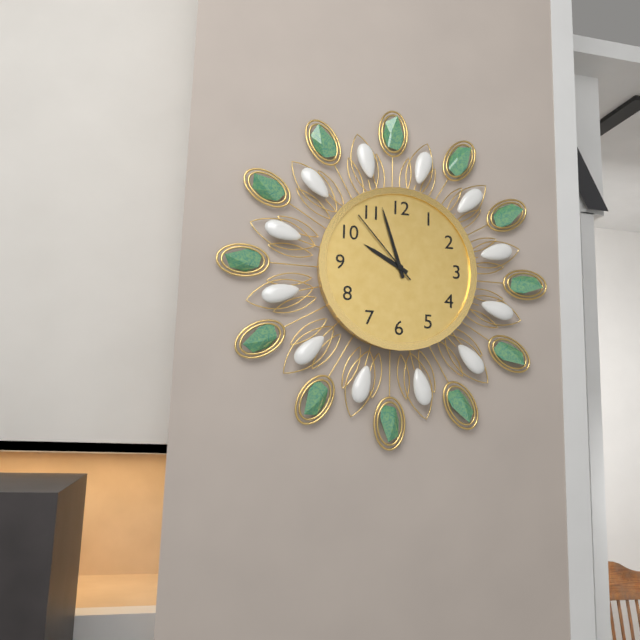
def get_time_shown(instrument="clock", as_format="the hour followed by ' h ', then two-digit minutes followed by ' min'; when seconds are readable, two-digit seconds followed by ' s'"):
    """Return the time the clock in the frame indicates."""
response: 9 h 57 min 53 s
